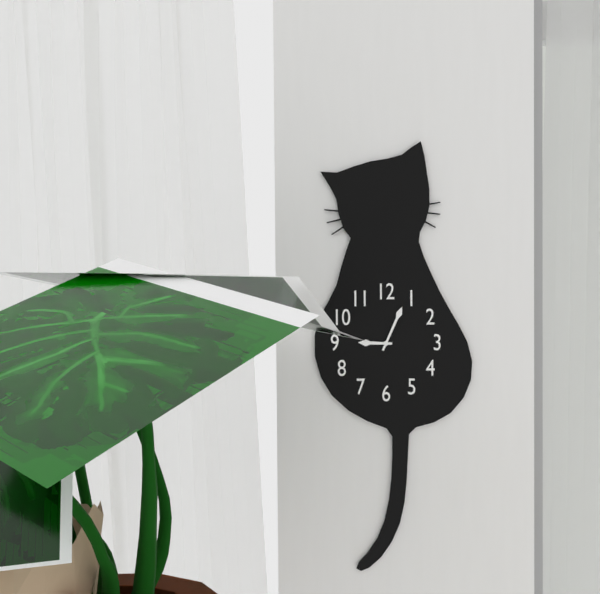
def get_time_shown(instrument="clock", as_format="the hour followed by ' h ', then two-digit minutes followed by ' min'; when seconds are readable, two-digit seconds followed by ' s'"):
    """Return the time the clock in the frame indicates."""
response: 9 h 04 min
